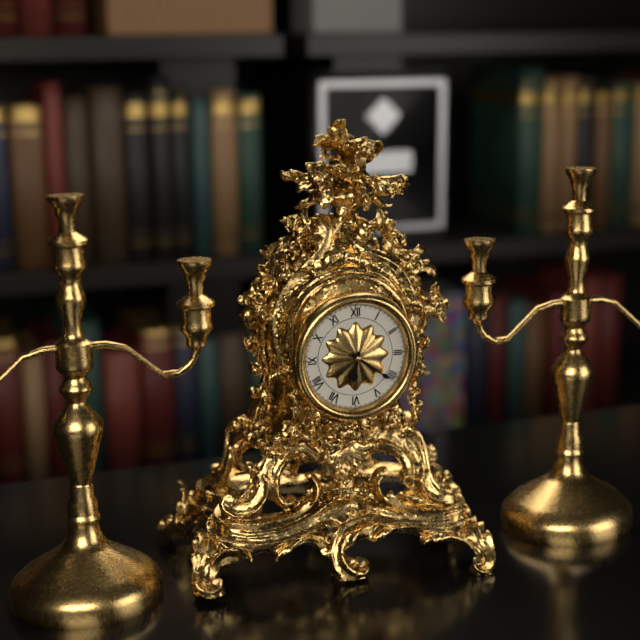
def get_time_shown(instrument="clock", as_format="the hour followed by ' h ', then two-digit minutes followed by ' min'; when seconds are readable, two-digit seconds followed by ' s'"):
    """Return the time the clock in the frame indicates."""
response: 6 h 21 min
